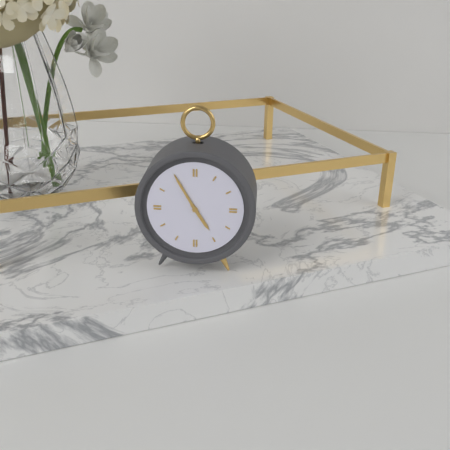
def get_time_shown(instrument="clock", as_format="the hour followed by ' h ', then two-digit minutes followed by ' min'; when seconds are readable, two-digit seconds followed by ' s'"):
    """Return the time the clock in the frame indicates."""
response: 4 h 55 min
